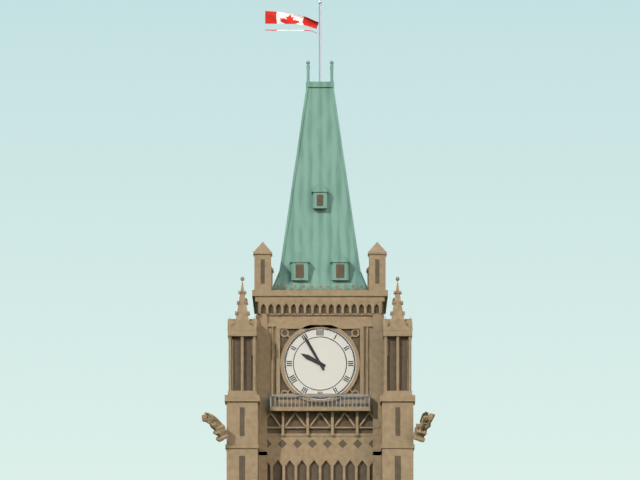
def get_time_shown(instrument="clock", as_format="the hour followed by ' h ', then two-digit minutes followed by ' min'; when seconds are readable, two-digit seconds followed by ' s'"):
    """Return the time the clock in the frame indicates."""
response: 9 h 55 min
